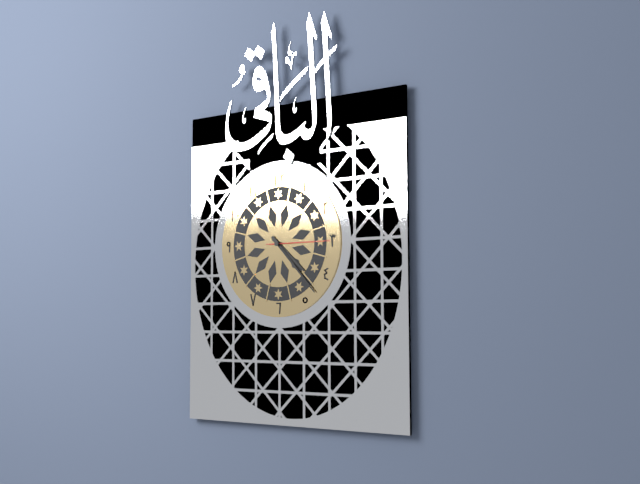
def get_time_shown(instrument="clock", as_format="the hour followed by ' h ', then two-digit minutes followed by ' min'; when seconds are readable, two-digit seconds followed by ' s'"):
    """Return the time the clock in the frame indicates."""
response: 4 h 23 min 15 s
